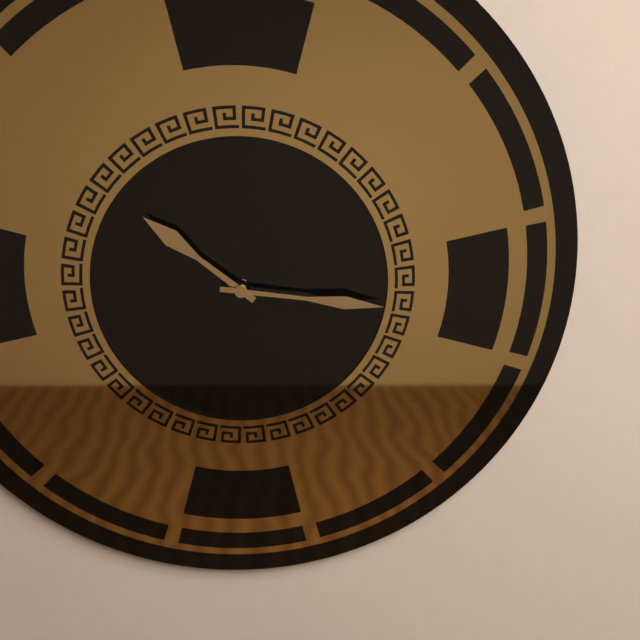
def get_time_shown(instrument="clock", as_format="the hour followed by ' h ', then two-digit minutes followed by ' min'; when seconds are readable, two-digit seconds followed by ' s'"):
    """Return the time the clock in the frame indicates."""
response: 10 h 16 min
